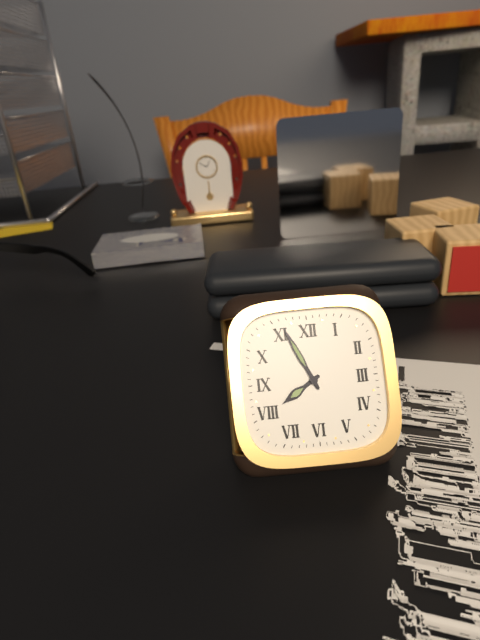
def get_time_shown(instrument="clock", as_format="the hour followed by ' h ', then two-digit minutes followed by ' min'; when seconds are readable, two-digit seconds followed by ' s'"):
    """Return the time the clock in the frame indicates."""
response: 7 h 56 min
